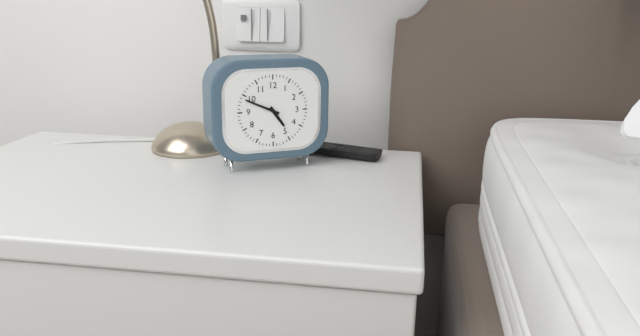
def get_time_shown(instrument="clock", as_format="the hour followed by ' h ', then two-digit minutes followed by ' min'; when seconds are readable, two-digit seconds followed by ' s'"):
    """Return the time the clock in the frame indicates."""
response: 4 h 49 min
